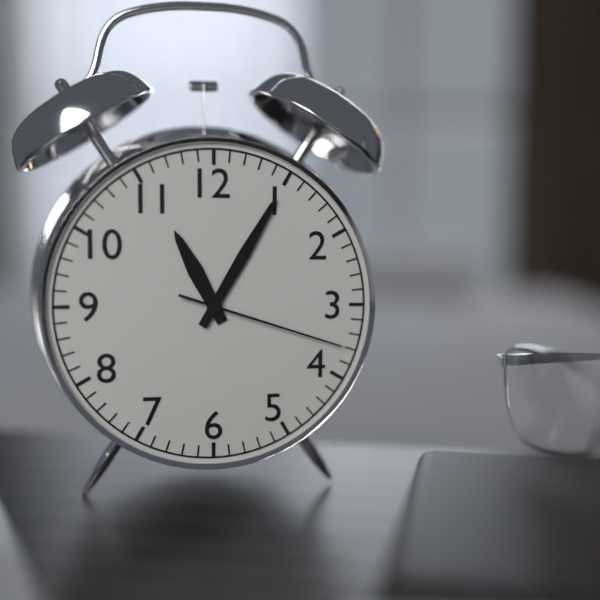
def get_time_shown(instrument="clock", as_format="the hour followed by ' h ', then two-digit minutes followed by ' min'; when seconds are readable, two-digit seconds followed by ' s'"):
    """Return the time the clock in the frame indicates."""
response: 11 h 05 min 18 s
